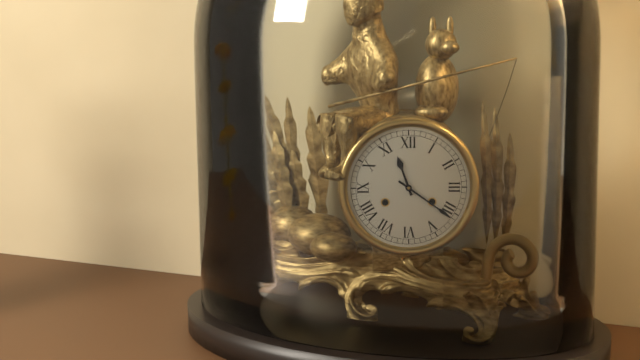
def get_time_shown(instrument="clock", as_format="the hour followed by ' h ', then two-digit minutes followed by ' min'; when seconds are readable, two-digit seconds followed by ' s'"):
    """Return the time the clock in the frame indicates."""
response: 11 h 21 min
